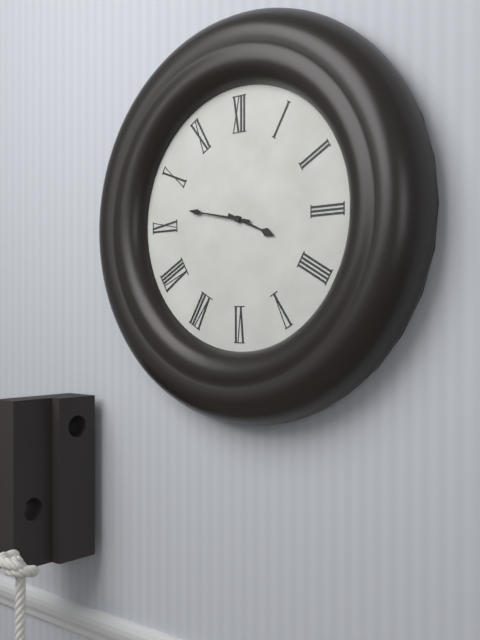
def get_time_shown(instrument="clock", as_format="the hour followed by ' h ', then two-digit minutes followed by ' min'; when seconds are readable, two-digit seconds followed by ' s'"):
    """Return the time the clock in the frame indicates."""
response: 3 h 47 min
